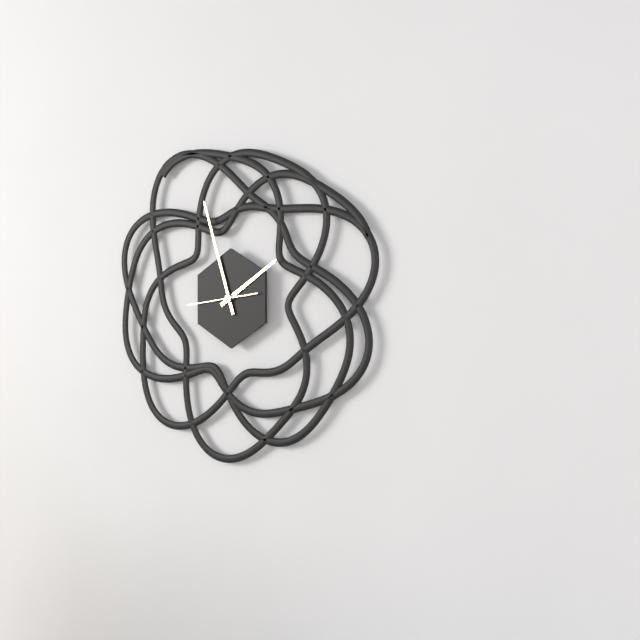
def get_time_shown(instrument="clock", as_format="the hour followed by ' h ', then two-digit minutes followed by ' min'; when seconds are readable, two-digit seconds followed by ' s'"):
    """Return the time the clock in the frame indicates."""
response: 1 h 57 min 44 s
